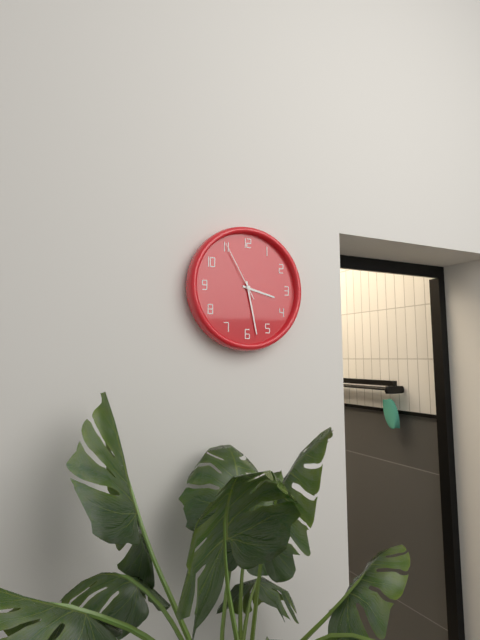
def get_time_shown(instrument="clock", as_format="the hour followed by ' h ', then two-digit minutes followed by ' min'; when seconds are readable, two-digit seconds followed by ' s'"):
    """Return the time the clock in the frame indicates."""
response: 3 h 28 min 55 s
